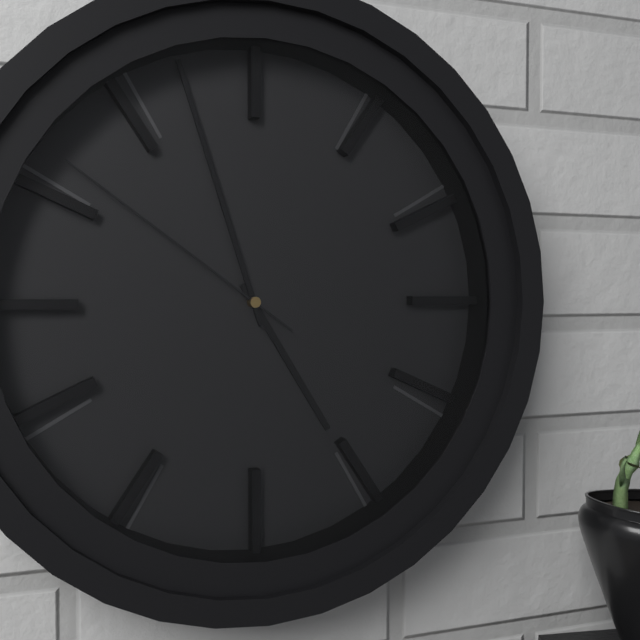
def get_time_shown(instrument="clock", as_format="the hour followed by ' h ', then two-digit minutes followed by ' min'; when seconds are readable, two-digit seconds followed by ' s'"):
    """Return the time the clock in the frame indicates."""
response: 4 h 57 min 51 s
